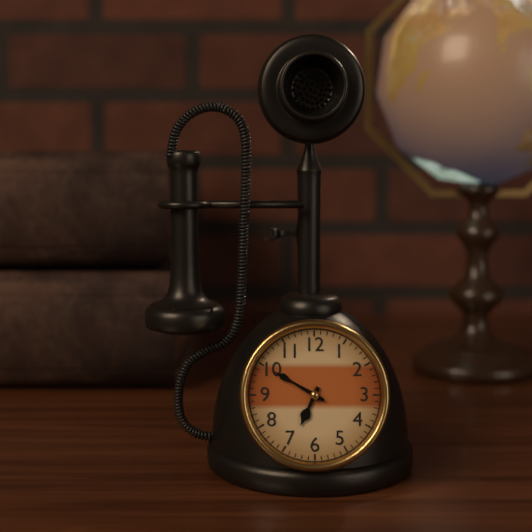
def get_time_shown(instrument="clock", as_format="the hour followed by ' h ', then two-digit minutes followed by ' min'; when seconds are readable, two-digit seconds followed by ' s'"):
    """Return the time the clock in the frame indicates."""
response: 6 h 50 min
